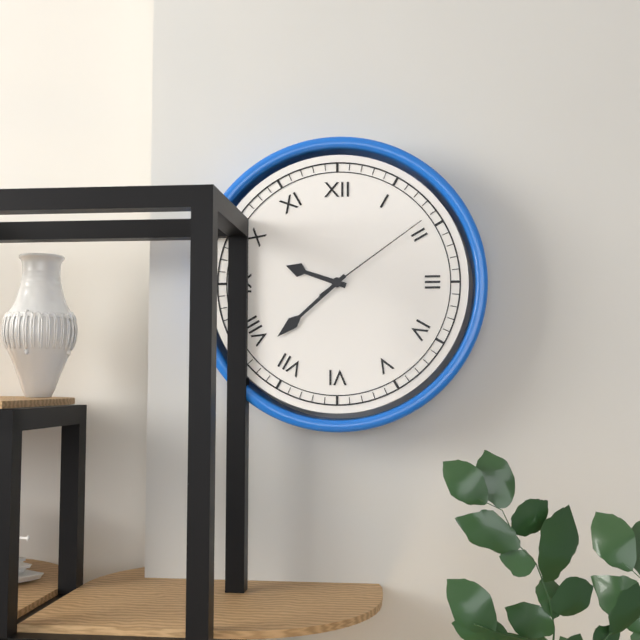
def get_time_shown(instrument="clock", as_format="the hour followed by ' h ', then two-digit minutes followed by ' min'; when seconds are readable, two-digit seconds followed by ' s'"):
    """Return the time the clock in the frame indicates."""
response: 9 h 38 min 09 s
